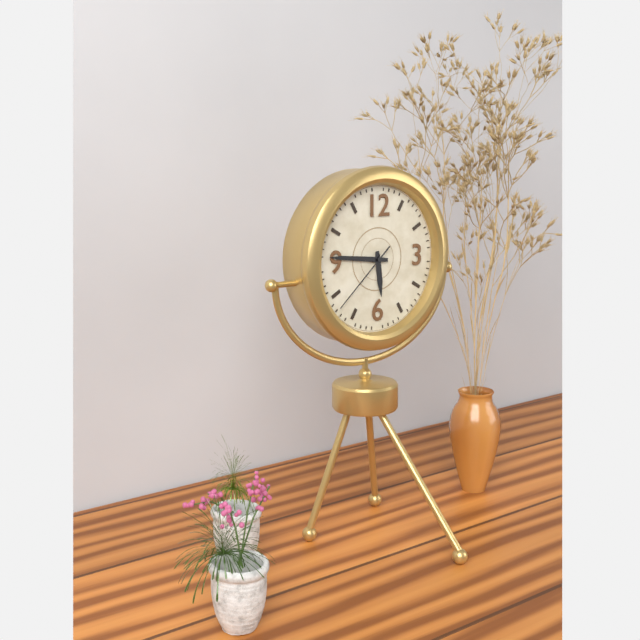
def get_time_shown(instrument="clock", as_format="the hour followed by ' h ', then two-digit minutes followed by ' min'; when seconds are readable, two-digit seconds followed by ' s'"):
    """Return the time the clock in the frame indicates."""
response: 5 h 46 min 38 s
